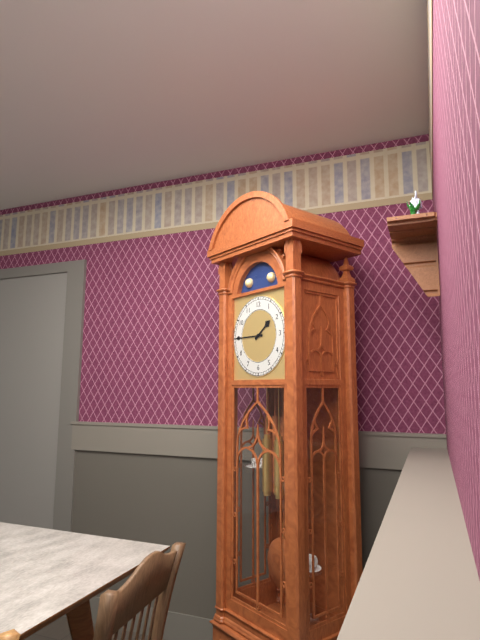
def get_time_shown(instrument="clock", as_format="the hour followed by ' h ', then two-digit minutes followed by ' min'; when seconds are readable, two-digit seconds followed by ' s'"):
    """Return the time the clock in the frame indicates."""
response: 1 h 45 min
